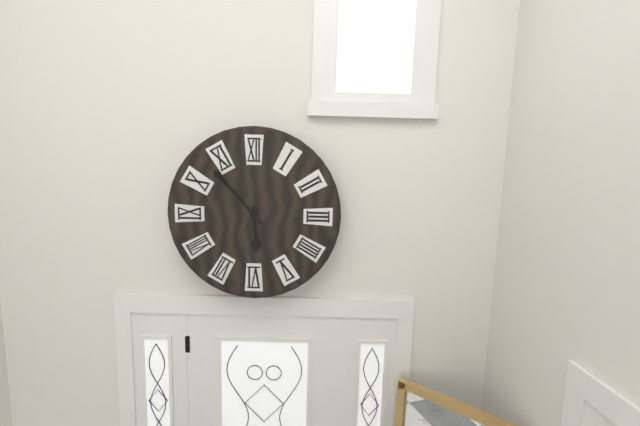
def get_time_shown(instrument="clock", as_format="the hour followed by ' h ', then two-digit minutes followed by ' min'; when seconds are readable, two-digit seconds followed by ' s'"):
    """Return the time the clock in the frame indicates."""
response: 5 h 53 min
